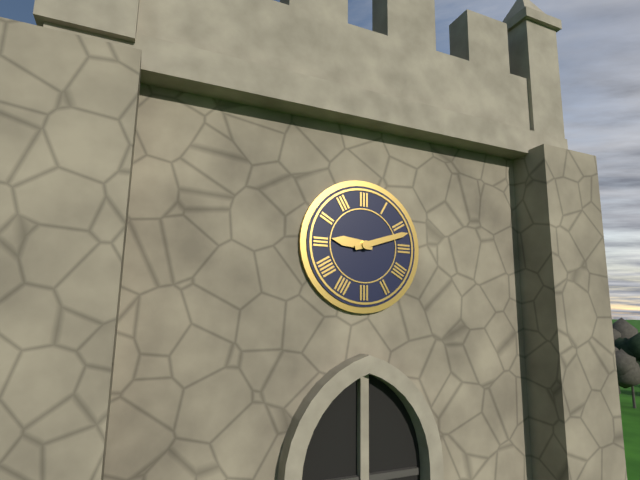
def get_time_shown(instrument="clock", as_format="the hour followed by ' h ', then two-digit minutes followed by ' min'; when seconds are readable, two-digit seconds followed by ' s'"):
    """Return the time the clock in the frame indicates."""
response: 9 h 12 min
